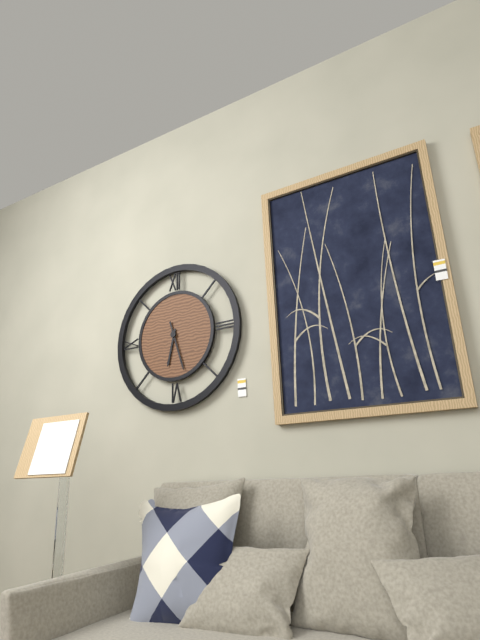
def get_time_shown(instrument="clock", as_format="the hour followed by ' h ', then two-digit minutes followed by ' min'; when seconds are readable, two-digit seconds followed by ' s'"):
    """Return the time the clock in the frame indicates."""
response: 6 h 27 min
